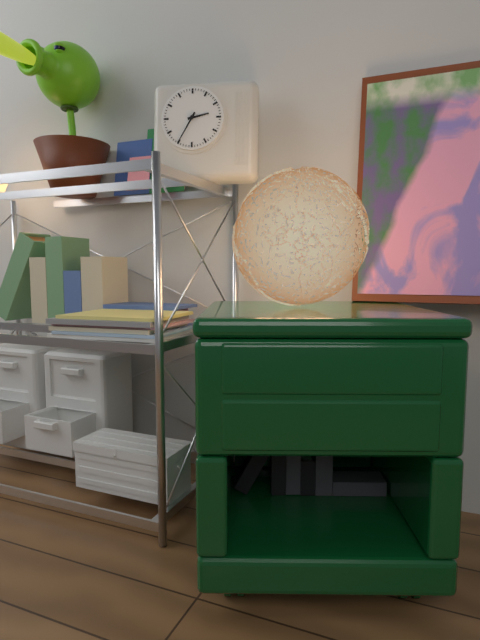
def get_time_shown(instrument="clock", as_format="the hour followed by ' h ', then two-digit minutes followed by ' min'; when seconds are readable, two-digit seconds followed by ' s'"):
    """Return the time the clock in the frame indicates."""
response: 2 h 35 min
